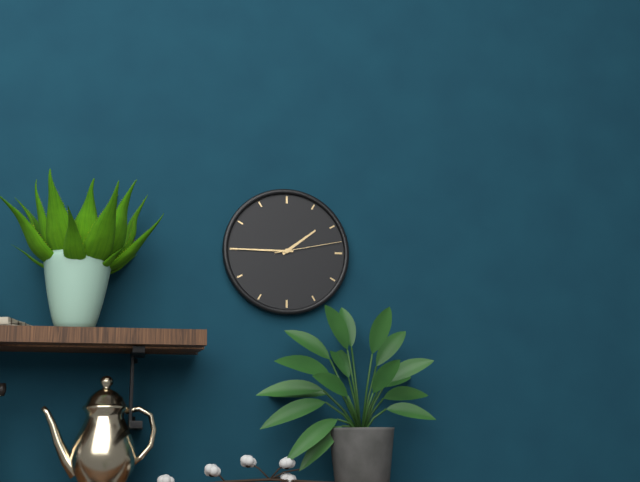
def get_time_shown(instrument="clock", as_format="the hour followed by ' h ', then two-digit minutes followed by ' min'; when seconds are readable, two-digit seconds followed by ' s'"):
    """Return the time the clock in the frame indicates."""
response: 1 h 45 min 13 s
